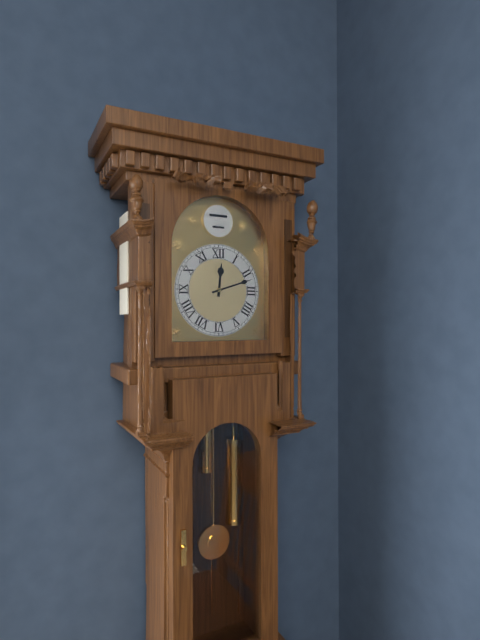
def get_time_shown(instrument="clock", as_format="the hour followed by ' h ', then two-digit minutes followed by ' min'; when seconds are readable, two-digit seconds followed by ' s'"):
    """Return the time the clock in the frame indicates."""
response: 12 h 12 min
